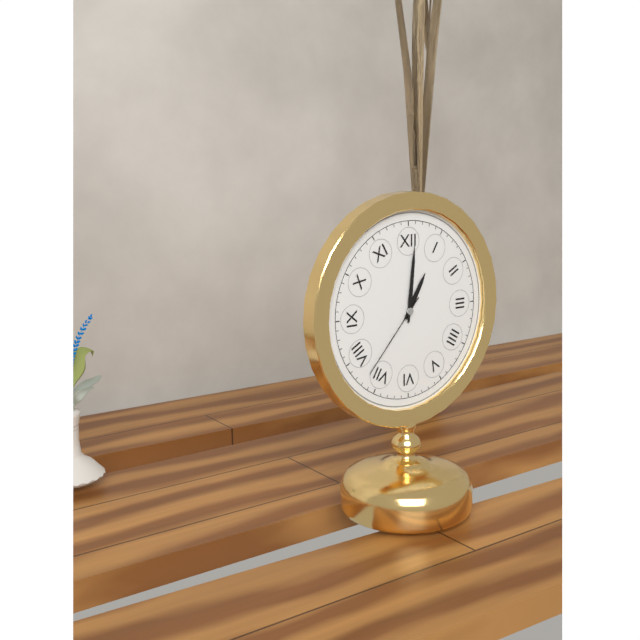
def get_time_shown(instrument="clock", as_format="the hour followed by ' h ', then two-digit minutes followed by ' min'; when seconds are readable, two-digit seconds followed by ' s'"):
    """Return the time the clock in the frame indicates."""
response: 1 h 01 min 37 s
